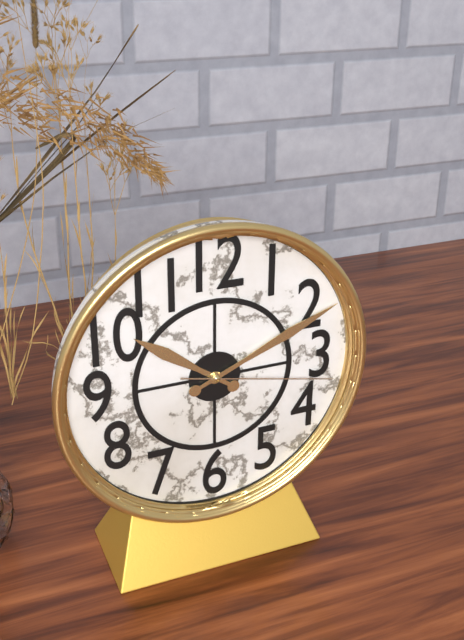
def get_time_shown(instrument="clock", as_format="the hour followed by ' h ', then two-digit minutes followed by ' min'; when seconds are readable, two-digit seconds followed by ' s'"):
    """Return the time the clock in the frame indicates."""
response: 10 h 11 min 17 s
